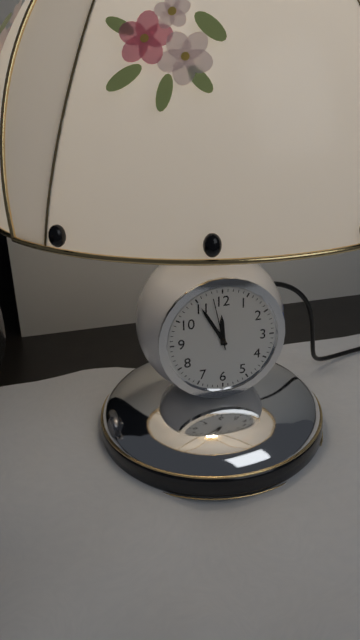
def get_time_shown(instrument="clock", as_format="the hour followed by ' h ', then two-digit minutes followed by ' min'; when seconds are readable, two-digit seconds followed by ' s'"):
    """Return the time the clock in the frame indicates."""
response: 11 h 55 min 58 s
